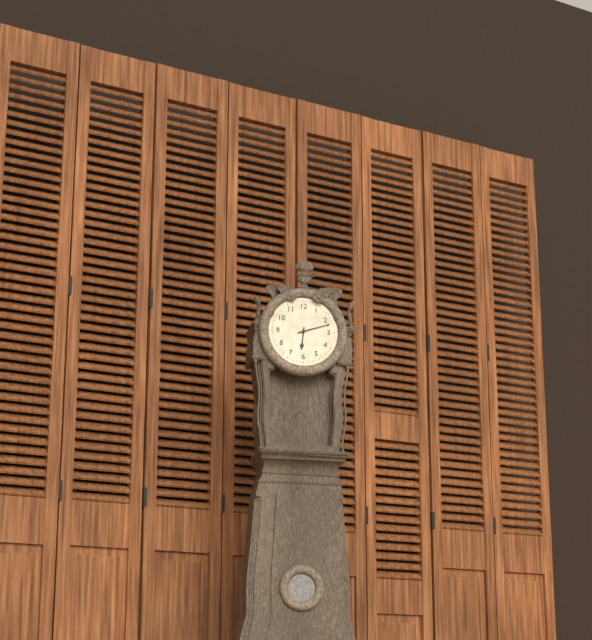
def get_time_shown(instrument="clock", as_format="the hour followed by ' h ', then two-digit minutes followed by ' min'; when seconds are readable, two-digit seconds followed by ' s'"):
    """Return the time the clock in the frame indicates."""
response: 6 h 12 min
